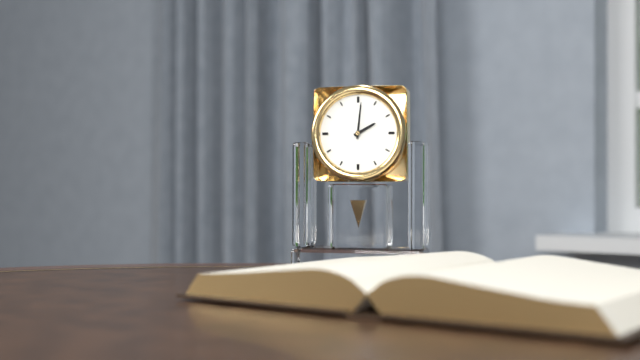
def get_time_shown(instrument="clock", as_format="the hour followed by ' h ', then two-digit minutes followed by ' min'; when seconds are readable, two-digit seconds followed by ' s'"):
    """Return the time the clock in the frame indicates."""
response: 2 h 01 min
